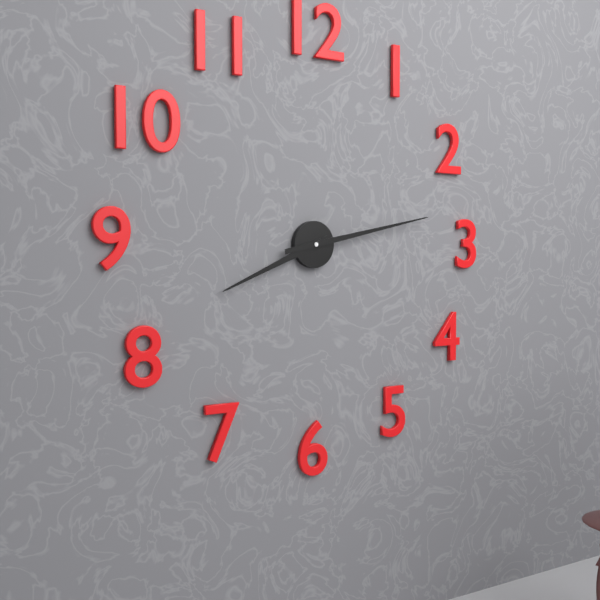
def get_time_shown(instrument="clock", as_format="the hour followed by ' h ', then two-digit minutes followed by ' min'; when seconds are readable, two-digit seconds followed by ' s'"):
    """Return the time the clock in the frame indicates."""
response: 8 h 13 min
